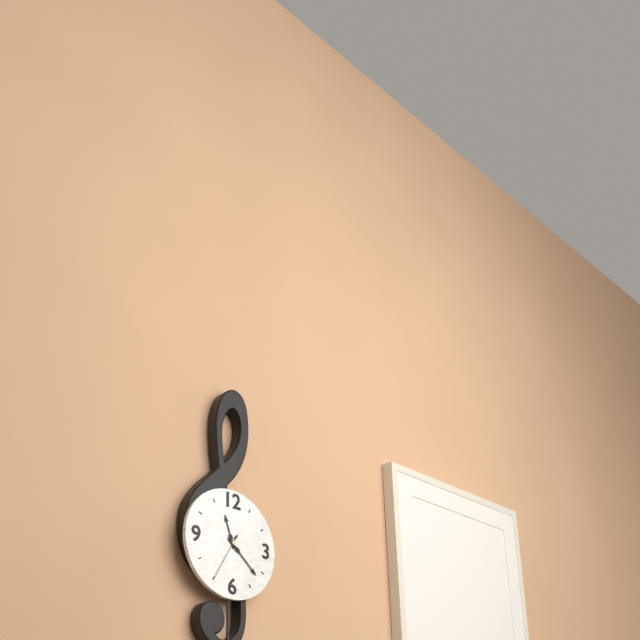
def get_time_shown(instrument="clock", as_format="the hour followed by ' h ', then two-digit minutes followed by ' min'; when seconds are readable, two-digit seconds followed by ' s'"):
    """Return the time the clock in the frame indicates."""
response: 11 h 22 min 35 s
